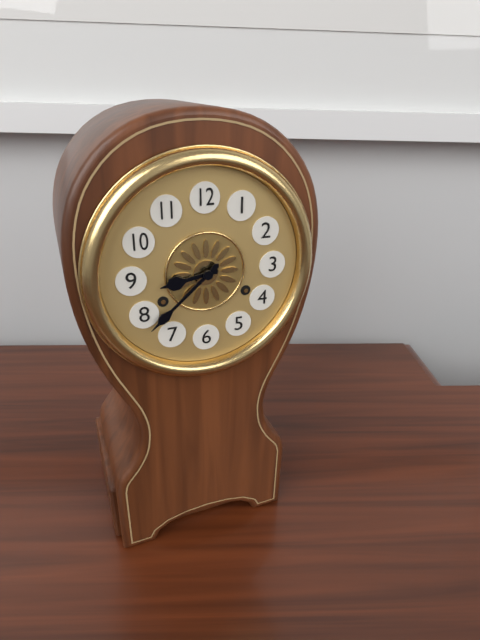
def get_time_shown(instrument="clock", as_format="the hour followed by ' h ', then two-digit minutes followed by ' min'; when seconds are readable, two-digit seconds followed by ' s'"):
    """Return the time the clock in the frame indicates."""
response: 8 h 38 min
